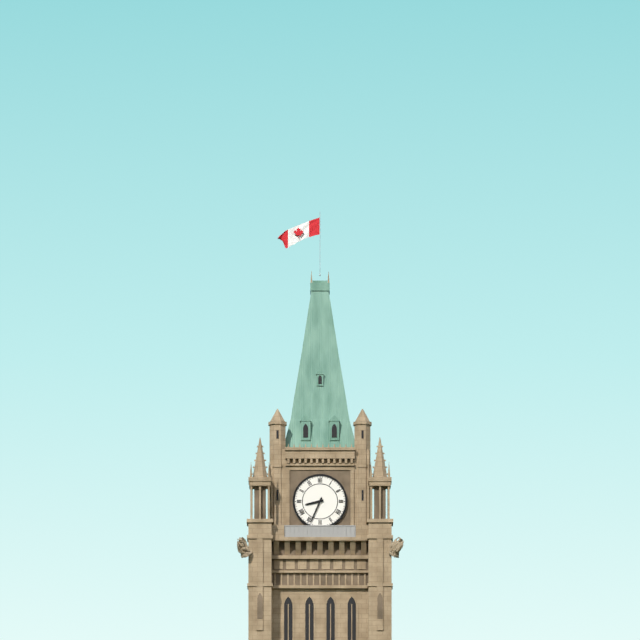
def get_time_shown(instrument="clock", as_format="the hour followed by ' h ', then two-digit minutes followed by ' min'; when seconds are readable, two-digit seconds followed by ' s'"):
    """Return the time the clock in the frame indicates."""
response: 8 h 34 min
